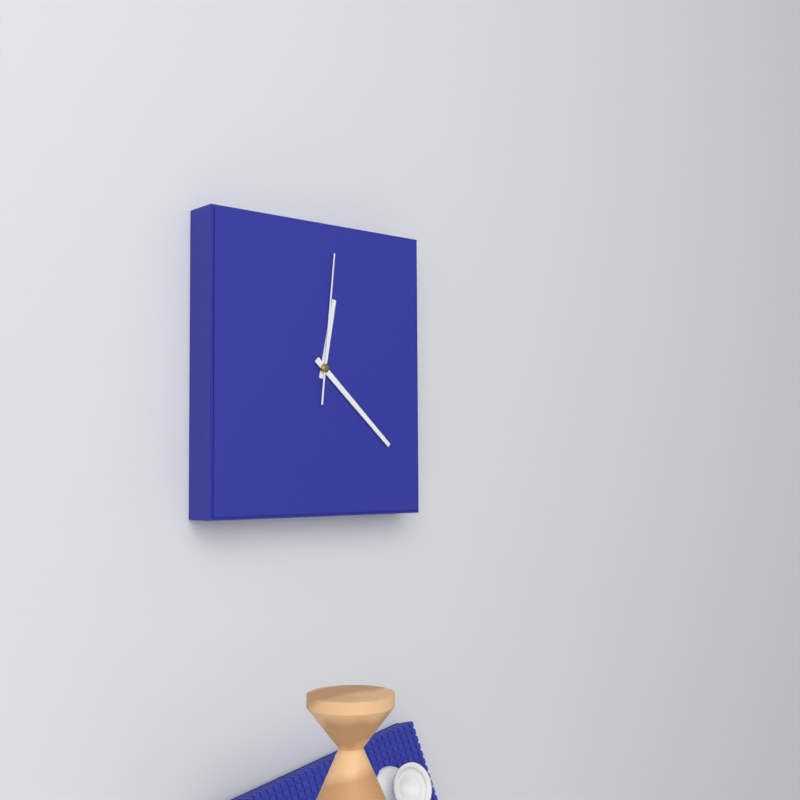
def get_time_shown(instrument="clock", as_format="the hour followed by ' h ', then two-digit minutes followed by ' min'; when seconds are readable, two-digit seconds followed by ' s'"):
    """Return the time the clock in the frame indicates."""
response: 12 h 22 min 01 s
